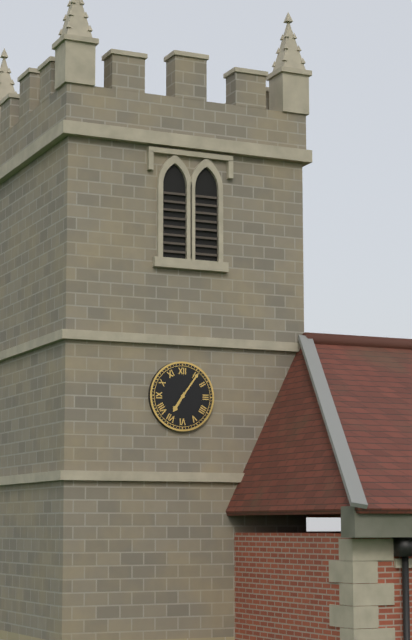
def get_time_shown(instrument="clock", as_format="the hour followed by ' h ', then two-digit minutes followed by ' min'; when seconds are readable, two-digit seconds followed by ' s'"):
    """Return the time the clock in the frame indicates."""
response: 7 h 06 min
